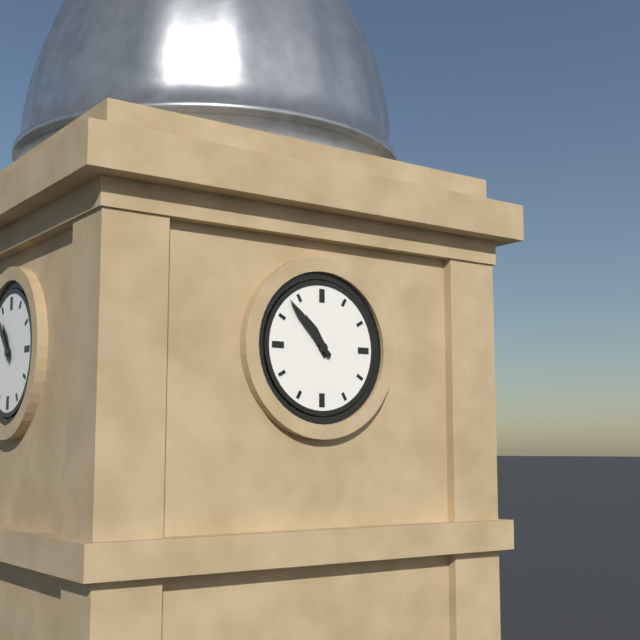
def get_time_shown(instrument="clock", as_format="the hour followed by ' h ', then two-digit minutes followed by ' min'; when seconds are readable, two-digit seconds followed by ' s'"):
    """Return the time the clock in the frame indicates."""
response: 10 h 53 min
